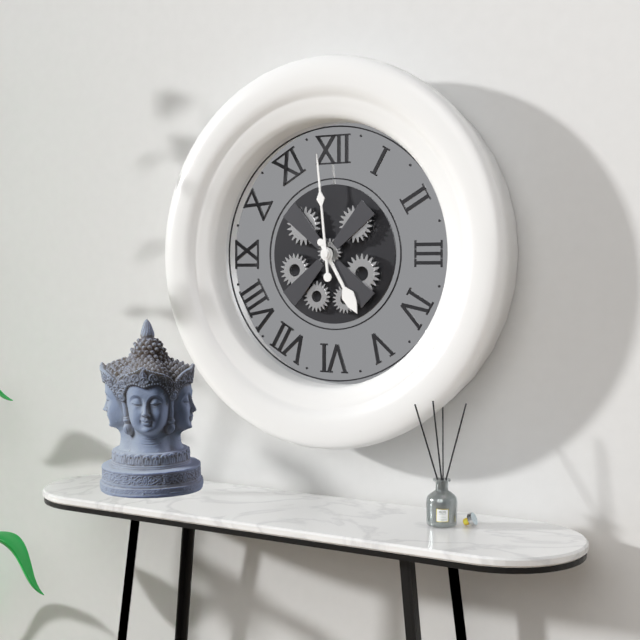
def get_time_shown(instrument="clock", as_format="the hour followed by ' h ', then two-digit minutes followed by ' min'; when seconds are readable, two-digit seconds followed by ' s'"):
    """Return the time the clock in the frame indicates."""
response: 4 h 59 min
